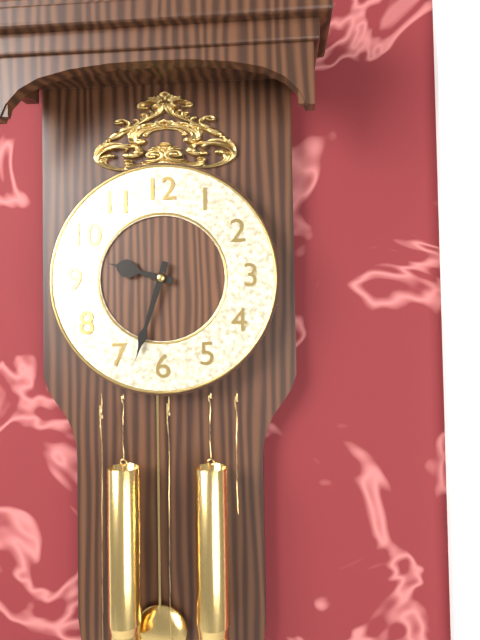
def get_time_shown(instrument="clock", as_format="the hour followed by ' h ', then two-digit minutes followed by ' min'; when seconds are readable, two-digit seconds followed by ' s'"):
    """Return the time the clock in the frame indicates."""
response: 9 h 33 min
